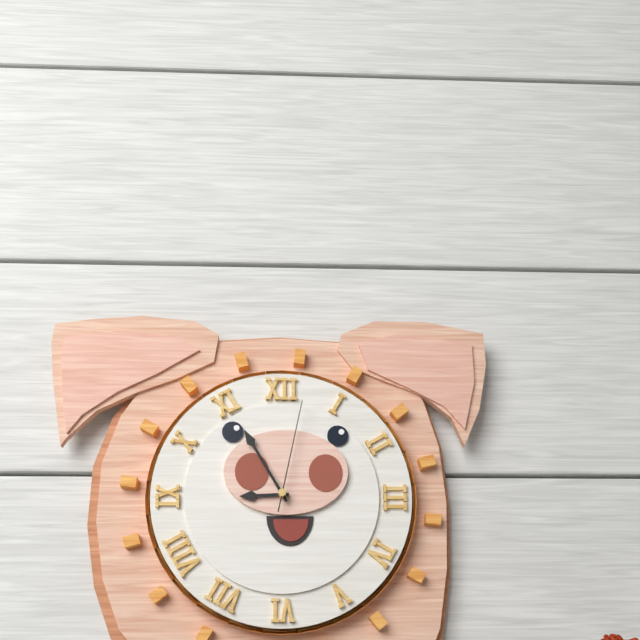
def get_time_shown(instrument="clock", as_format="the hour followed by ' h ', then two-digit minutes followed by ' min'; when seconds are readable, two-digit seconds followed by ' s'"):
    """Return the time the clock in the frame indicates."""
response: 8 h 55 min 02 s
